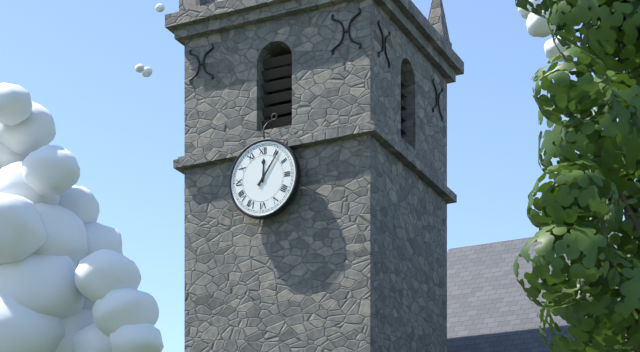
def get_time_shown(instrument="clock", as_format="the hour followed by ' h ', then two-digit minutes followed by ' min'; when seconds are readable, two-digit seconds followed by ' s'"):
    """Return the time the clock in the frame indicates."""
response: 12 h 06 min
